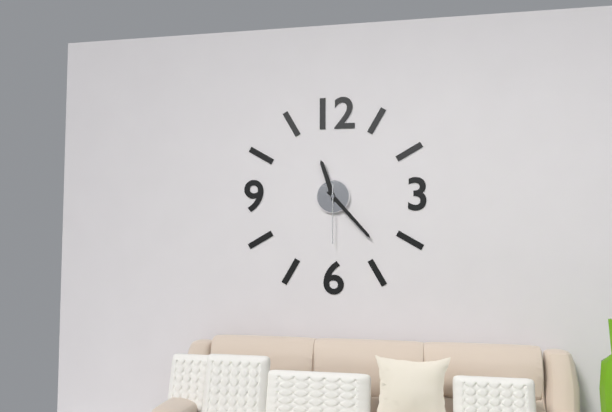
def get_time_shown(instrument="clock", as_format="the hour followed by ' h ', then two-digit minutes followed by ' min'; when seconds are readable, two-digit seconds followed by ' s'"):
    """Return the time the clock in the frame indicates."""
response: 11 h 23 min 30 s
